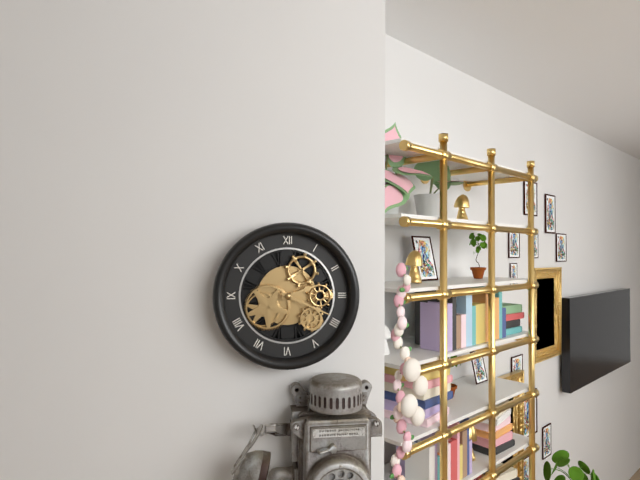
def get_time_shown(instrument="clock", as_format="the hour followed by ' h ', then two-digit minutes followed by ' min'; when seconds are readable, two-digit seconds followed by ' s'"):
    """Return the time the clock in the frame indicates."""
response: 2 h 19 min
